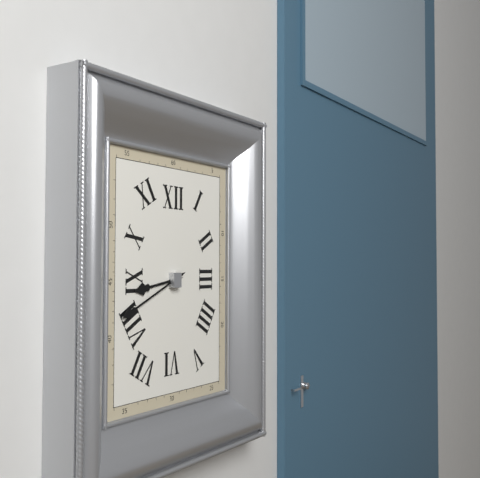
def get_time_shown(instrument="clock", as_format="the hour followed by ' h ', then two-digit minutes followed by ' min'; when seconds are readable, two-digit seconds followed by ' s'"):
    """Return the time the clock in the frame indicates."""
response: 8 h 41 min
